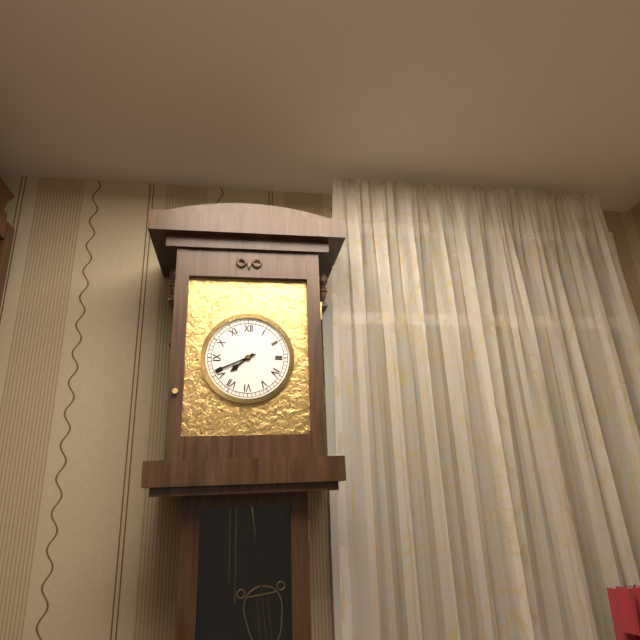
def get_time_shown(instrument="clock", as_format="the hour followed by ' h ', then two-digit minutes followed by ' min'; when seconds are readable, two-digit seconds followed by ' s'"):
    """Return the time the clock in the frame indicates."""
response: 7 h 41 min
